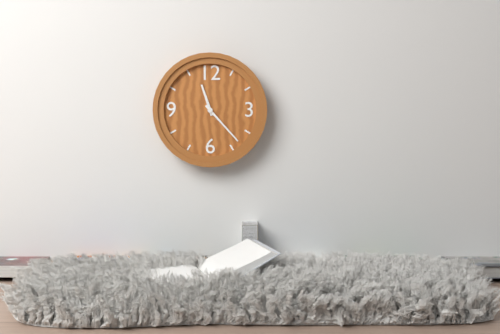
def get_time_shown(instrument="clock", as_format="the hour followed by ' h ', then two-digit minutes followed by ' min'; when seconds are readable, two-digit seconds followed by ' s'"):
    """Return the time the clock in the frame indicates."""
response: 11 h 23 min
